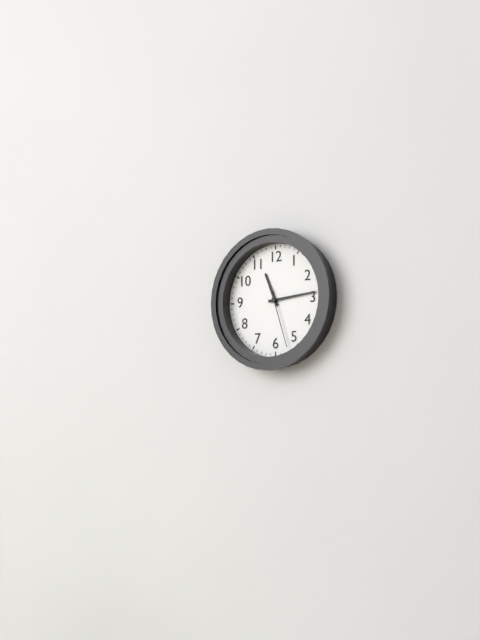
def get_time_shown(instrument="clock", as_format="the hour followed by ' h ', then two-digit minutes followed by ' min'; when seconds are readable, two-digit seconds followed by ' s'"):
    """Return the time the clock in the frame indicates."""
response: 11 h 14 min 27 s
